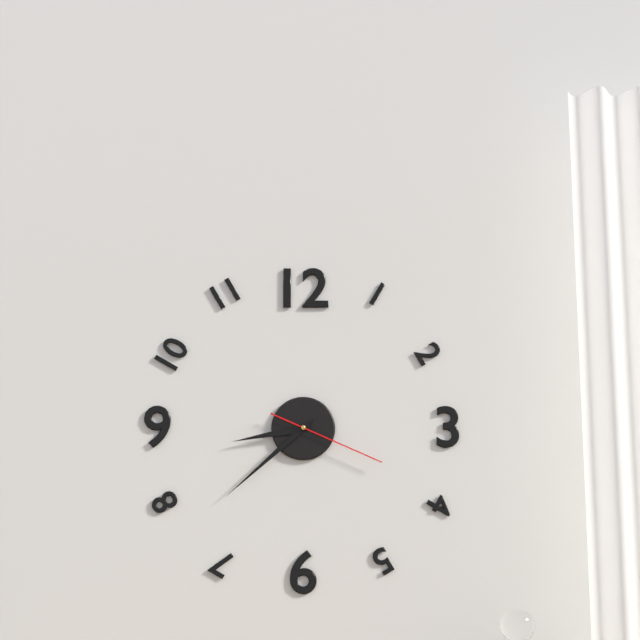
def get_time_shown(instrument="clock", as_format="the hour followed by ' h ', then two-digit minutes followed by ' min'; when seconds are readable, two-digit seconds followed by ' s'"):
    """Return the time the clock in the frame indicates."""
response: 8 h 38 min 19 s
